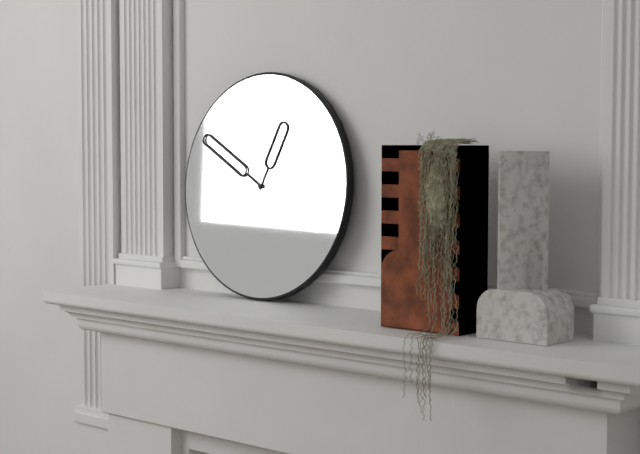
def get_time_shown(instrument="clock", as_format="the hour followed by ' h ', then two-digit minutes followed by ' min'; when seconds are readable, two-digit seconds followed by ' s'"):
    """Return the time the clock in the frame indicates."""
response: 12 h 50 min
